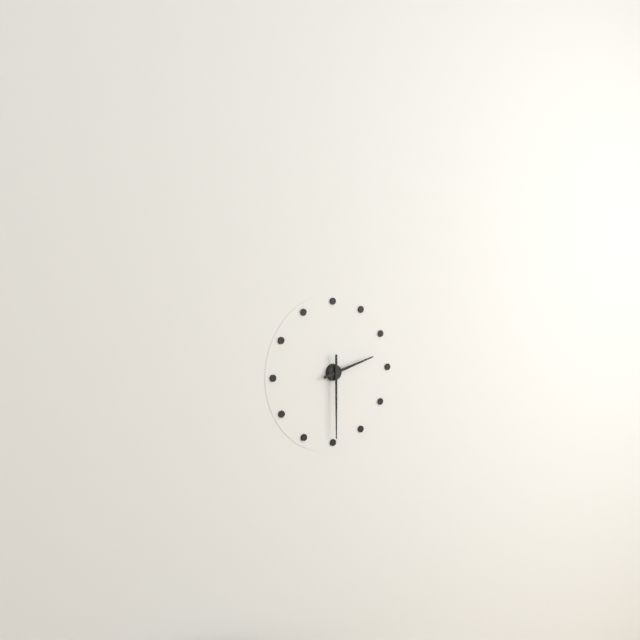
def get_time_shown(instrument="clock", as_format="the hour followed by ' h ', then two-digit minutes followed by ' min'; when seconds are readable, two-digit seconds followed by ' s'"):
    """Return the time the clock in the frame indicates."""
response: 2 h 30 min
